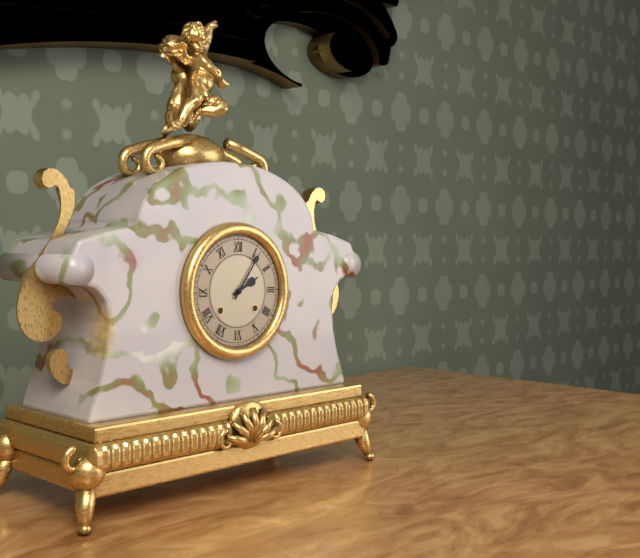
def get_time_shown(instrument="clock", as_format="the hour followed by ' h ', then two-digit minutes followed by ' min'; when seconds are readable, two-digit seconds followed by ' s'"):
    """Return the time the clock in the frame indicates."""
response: 2 h 06 min
